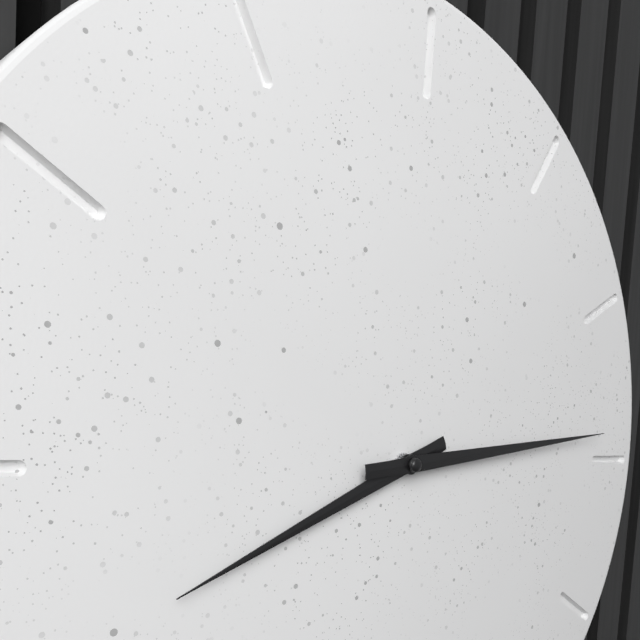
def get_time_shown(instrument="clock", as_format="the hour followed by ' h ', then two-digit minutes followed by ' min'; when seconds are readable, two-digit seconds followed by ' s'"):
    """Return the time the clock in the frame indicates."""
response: 8 h 14 min
